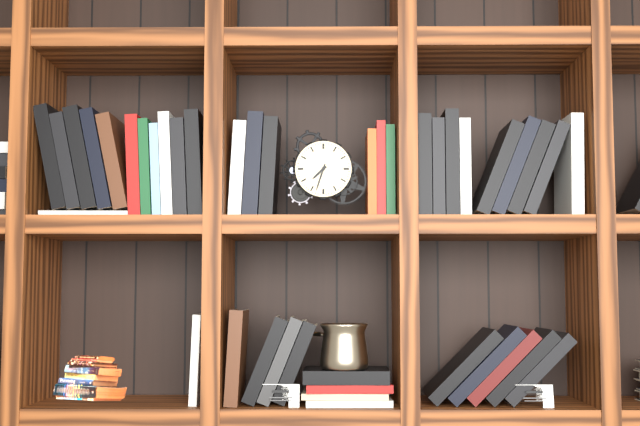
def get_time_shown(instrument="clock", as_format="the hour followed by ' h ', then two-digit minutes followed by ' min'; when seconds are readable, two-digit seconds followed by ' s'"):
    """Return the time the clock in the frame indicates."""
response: 7 h 33 min
